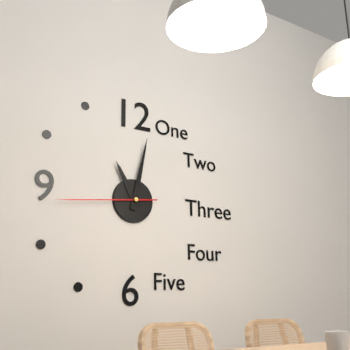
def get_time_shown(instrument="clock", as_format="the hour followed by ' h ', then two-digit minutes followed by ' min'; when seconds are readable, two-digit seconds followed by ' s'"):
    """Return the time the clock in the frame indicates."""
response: 11 h 02 min 44 s
